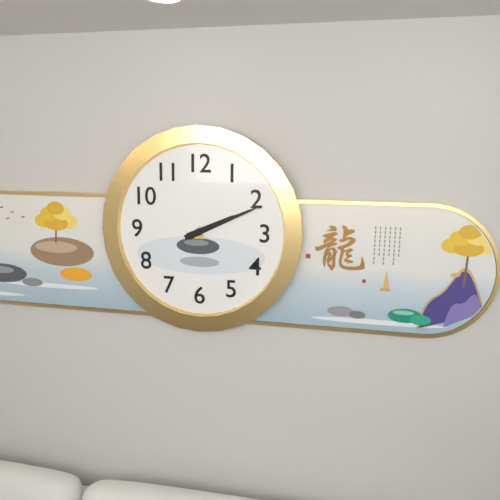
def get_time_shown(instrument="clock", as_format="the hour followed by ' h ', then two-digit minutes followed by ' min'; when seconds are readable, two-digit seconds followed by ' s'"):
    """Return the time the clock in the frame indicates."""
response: 2 h 11 min
